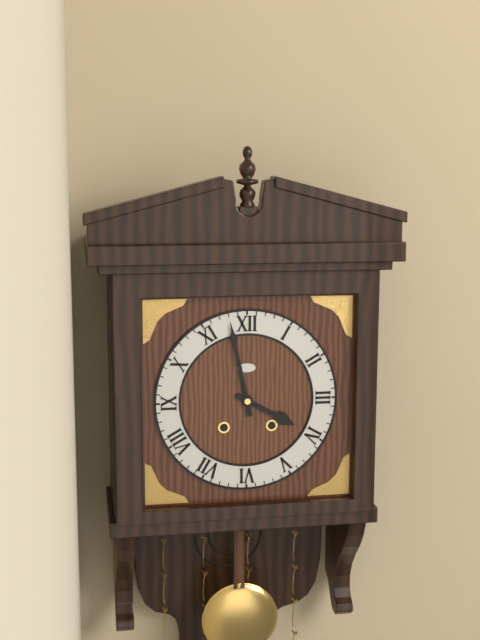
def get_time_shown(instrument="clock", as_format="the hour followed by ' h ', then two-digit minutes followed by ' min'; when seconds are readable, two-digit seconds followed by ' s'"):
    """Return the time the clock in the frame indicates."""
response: 3 h 58 min
